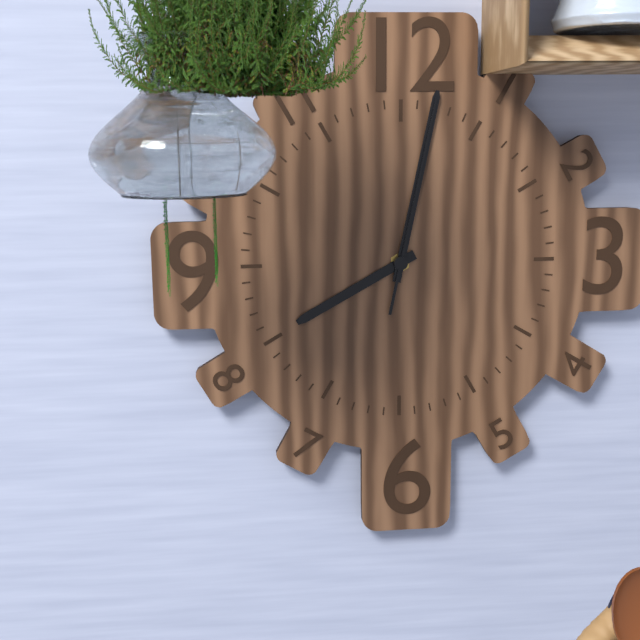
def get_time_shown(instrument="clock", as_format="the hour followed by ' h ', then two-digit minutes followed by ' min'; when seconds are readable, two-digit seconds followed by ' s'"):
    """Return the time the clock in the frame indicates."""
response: 8 h 02 min 02 s
